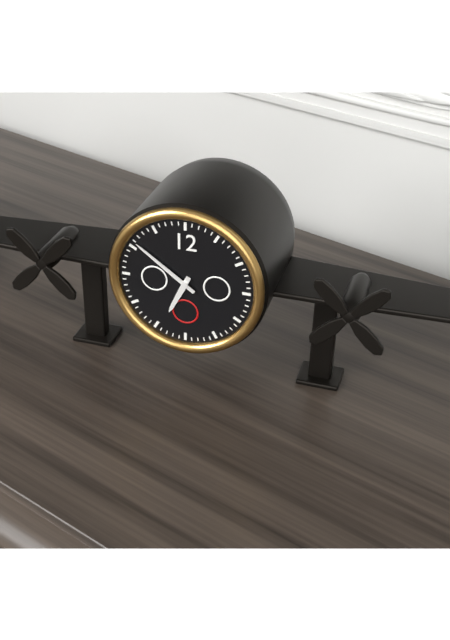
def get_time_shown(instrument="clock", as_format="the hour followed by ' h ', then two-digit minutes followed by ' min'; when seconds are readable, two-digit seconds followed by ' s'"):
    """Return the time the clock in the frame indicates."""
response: 6 h 51 min
